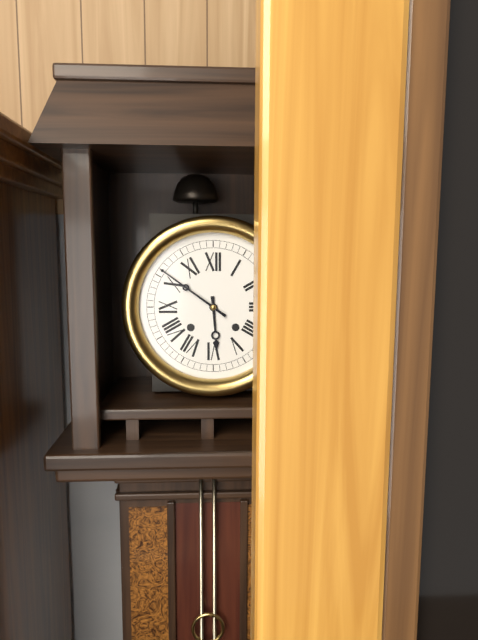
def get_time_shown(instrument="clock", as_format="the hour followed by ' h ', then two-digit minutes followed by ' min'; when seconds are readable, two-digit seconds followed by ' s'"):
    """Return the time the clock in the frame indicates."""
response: 5 h 51 min
